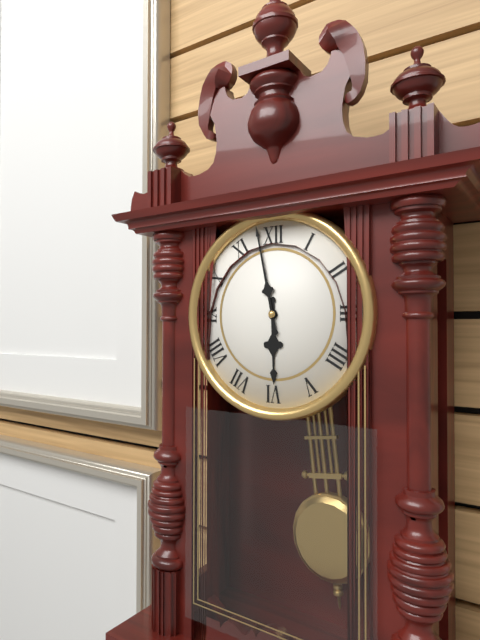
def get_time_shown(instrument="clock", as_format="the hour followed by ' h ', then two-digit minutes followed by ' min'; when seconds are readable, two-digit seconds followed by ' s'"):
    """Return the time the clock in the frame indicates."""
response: 5 h 58 min
